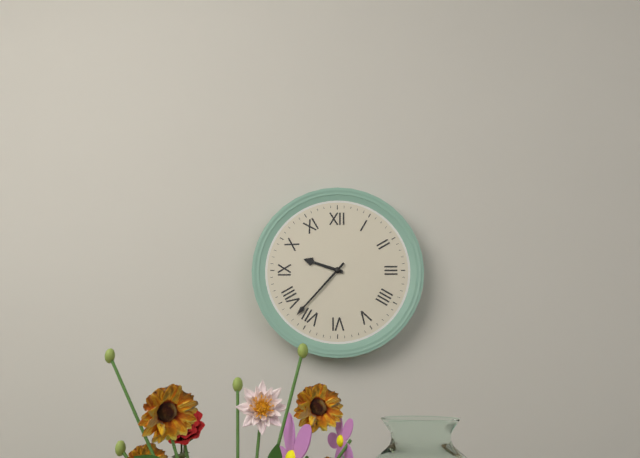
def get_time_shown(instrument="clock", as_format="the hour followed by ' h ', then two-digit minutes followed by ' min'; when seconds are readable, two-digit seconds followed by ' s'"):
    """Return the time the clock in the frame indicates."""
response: 9 h 37 min
